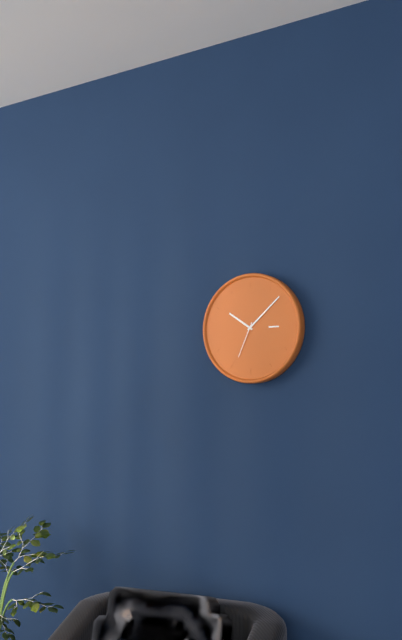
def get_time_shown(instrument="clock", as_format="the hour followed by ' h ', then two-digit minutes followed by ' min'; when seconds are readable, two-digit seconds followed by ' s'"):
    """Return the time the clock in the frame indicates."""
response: 10 h 08 min
